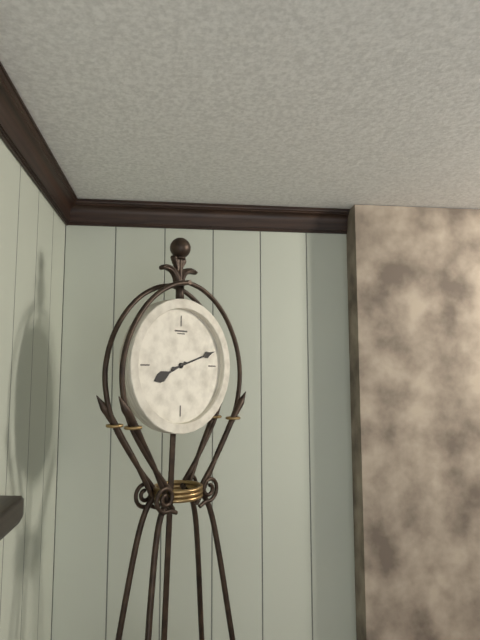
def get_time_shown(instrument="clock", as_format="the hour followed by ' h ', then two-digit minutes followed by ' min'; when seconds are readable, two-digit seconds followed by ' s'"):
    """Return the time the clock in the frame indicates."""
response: 8 h 12 min
